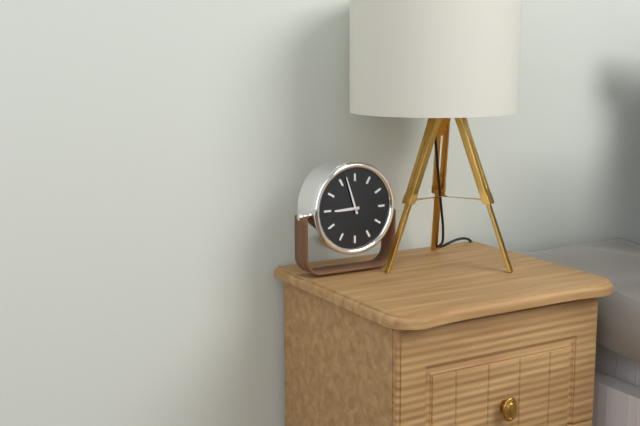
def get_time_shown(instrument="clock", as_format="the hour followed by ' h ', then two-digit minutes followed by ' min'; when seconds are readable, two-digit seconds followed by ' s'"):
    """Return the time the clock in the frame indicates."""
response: 8 h 57 min
